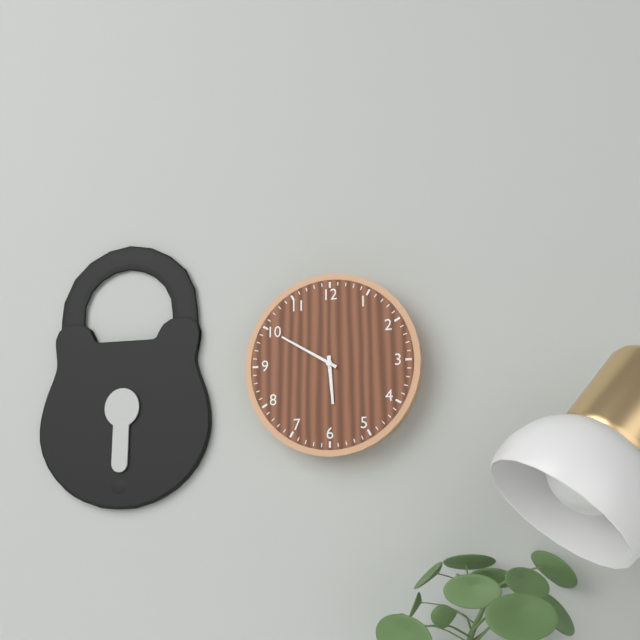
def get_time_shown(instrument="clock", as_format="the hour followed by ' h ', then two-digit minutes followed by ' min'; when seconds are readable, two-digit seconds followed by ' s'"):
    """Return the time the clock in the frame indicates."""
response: 5 h 50 min
